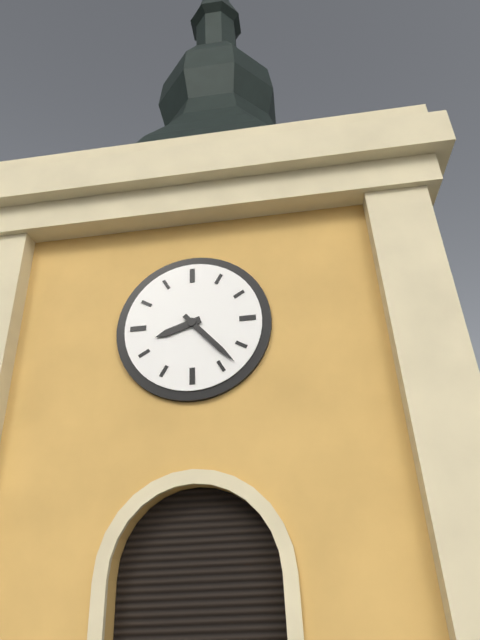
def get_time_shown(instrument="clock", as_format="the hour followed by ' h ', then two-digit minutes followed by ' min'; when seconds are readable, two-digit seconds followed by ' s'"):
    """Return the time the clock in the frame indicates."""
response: 8 h 23 min
